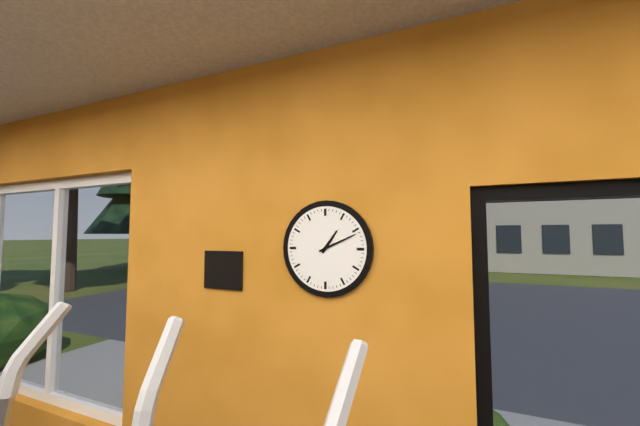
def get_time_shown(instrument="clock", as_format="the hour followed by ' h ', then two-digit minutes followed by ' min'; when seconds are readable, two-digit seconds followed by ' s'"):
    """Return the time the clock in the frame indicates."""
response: 1 h 11 min
